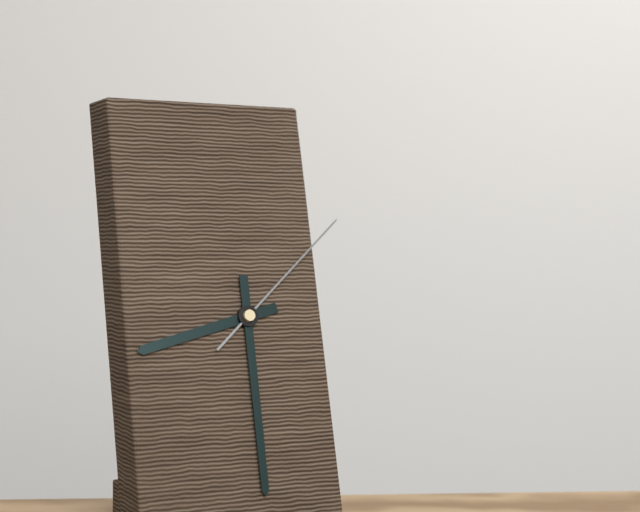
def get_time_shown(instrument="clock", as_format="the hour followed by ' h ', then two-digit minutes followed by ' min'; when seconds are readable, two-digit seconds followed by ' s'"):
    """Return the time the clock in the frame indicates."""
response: 8 h 30 min 08 s
